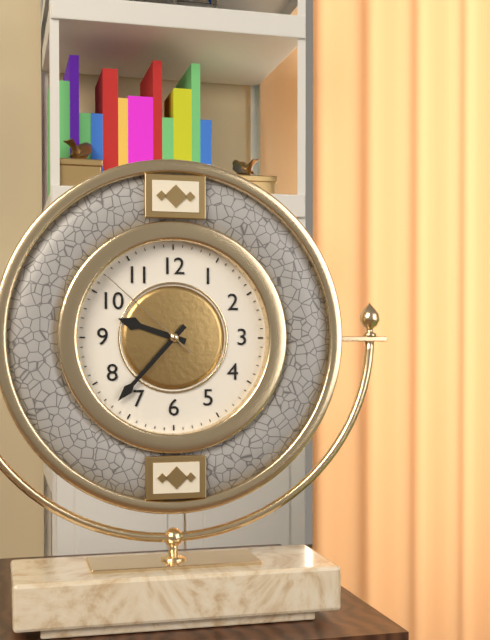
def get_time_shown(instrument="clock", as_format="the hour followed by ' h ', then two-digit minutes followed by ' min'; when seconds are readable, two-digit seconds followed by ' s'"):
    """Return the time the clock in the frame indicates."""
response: 9 h 37 min 52 s
